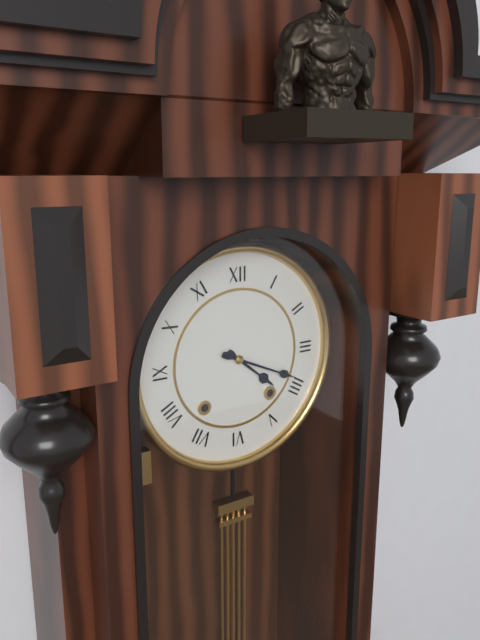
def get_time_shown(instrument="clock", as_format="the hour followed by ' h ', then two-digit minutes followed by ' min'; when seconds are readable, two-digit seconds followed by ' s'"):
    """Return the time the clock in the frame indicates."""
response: 4 h 19 min
